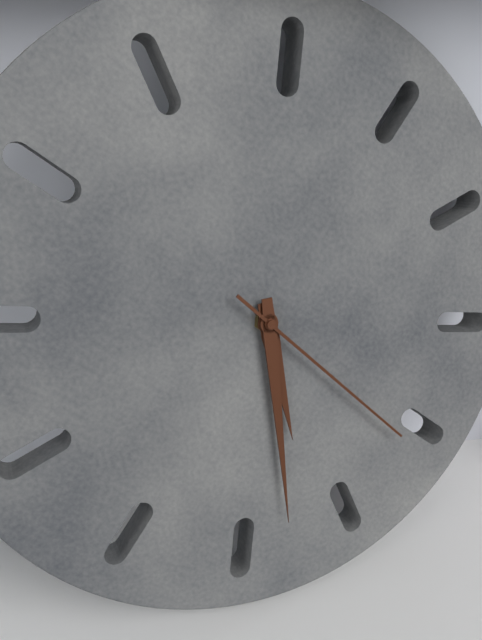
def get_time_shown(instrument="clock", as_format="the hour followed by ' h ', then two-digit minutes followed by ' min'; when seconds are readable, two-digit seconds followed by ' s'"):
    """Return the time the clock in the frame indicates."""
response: 4 h 23 min 16 s
